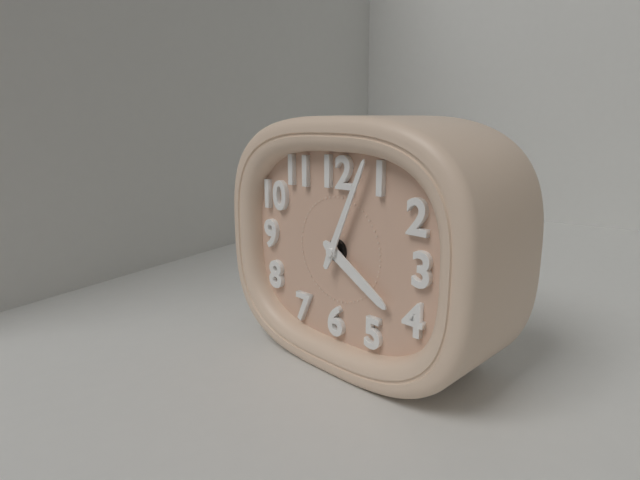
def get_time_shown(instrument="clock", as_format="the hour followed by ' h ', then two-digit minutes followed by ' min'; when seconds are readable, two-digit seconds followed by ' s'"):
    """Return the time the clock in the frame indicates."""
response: 4 h 04 min
